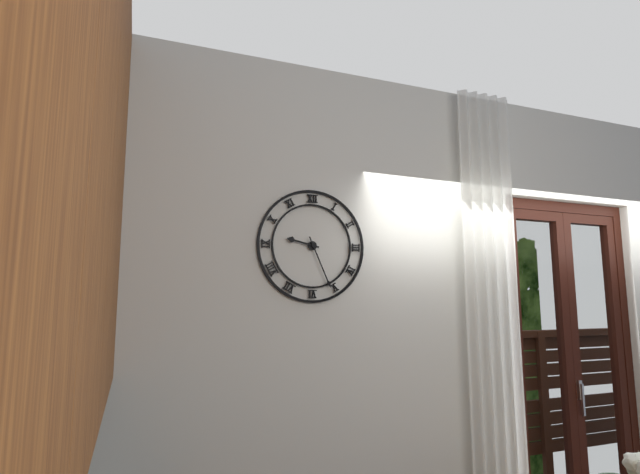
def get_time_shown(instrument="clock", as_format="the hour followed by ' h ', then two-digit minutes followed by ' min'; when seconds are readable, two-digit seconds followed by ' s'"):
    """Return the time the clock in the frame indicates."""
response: 9 h 26 min
